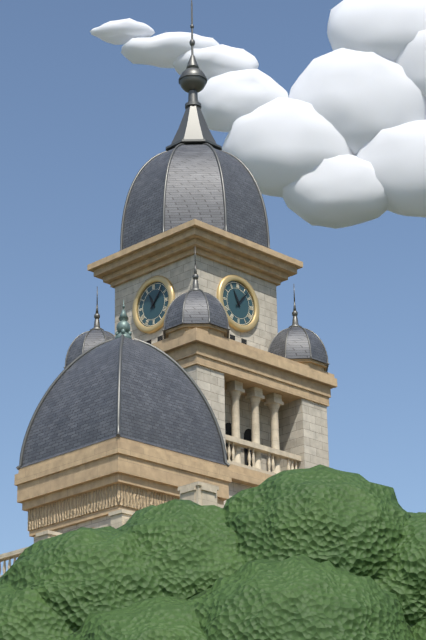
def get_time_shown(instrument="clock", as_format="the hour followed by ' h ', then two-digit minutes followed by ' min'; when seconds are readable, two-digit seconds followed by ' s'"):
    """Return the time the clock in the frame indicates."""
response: 11 h 07 min
